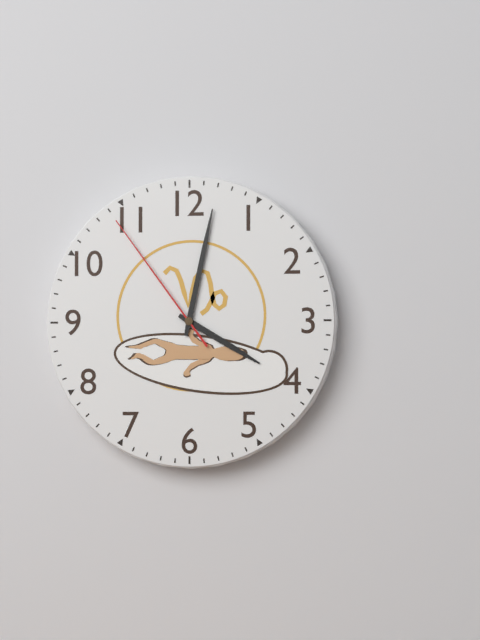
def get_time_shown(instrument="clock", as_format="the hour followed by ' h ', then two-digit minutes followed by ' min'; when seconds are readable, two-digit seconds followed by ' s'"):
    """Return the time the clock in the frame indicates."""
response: 4 h 02 min 54 s
